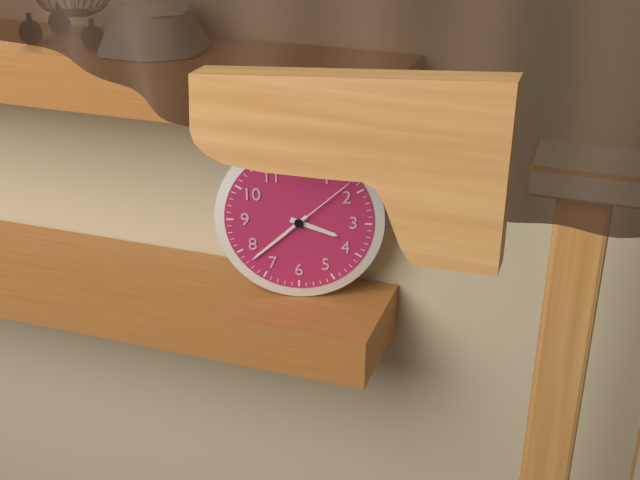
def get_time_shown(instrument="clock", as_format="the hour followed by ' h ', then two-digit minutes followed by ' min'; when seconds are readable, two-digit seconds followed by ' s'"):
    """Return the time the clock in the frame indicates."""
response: 3 h 38 min 08 s
